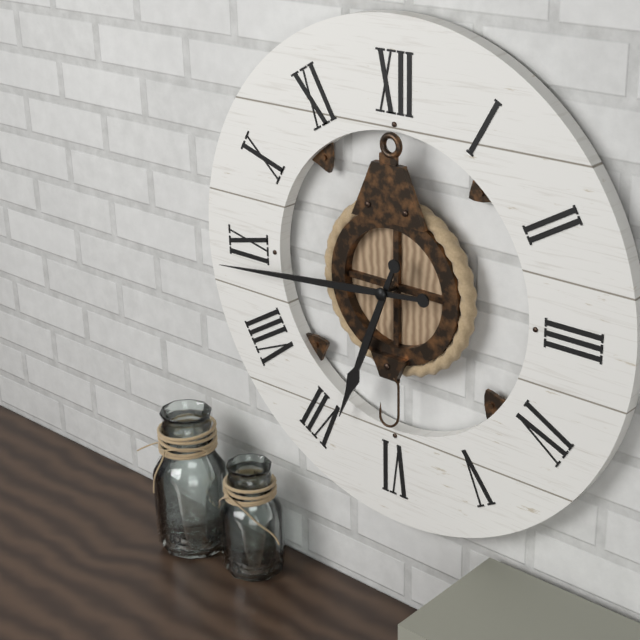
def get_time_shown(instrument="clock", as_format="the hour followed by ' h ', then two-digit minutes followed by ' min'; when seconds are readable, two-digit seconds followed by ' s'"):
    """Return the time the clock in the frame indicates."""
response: 6 h 44 min
